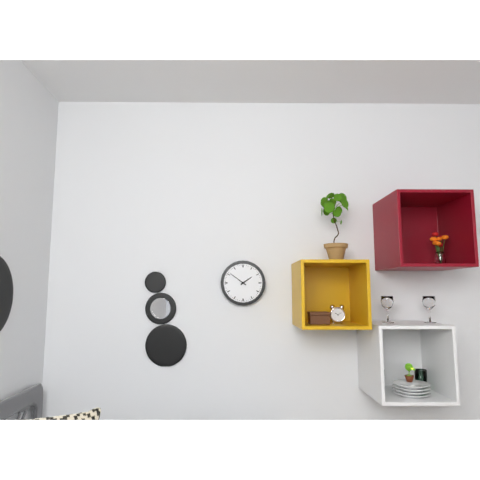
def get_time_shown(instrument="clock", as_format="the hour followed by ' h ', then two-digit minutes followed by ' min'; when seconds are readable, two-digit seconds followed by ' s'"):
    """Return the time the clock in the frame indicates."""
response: 1 h 51 min
